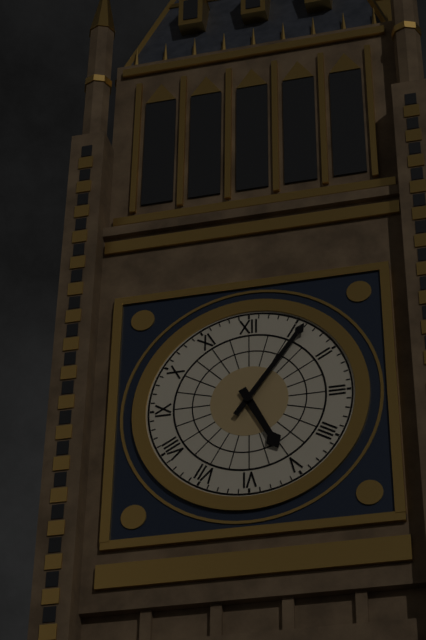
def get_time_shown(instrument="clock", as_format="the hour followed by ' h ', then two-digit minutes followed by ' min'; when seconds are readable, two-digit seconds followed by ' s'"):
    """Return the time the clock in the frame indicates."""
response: 5 h 06 min
